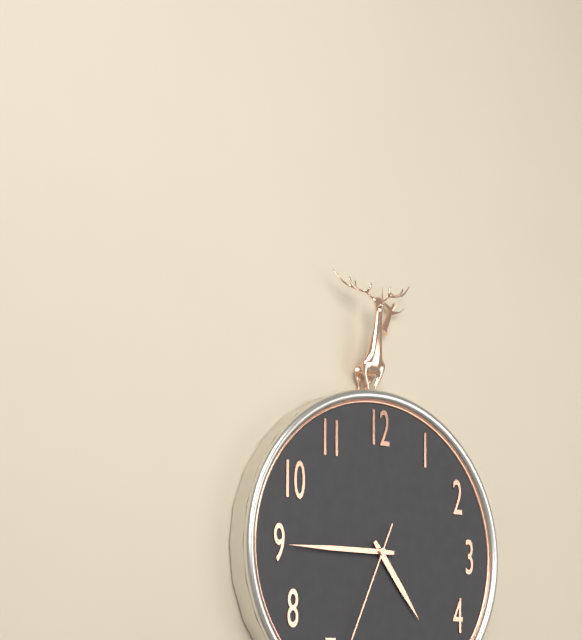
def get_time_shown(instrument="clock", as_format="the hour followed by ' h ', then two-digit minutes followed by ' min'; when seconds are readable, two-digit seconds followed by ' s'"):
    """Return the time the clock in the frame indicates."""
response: 4 h 45 min
